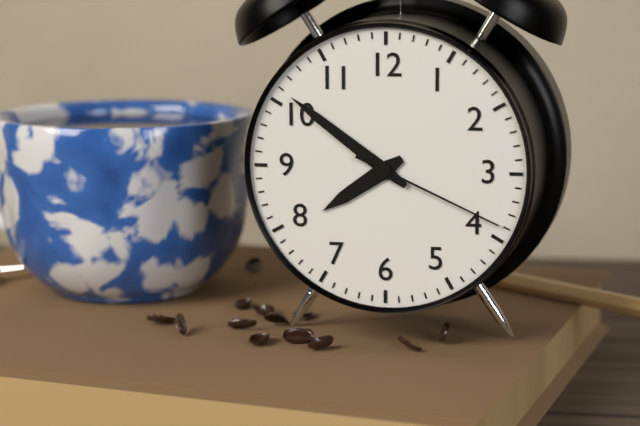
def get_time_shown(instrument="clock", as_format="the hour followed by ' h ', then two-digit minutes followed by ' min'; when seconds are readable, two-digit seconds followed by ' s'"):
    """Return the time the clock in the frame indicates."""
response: 7 h 51 min 19 s
